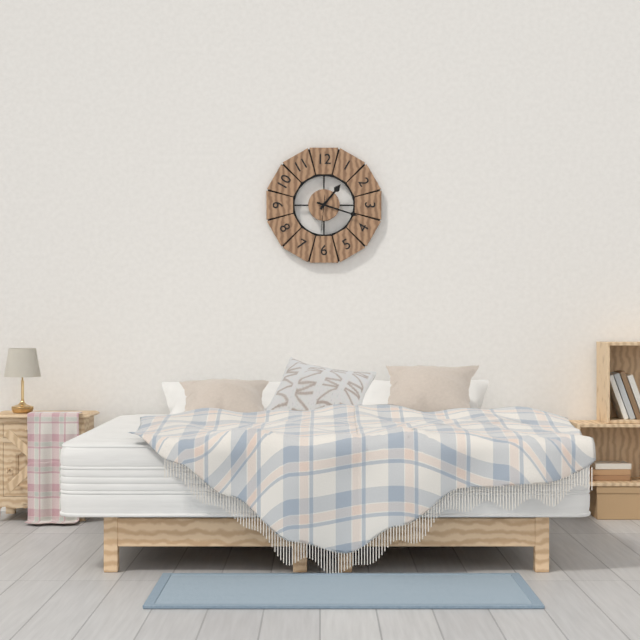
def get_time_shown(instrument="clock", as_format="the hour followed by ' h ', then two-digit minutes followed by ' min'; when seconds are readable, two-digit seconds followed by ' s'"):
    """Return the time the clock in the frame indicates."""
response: 1 h 18 min
